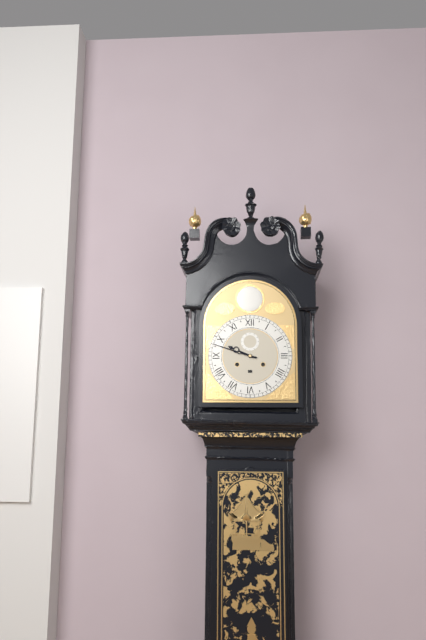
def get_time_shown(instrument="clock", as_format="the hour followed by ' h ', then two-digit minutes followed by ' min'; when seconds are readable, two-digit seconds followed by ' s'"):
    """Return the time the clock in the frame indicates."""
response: 9 h 48 min
